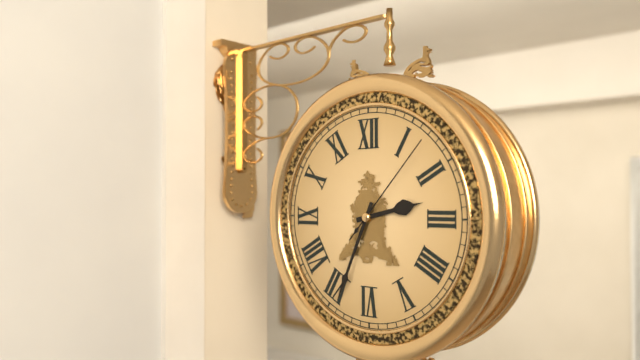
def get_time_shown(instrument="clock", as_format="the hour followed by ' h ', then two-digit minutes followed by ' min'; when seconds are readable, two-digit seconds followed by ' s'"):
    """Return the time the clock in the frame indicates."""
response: 2 h 34 min 07 s
